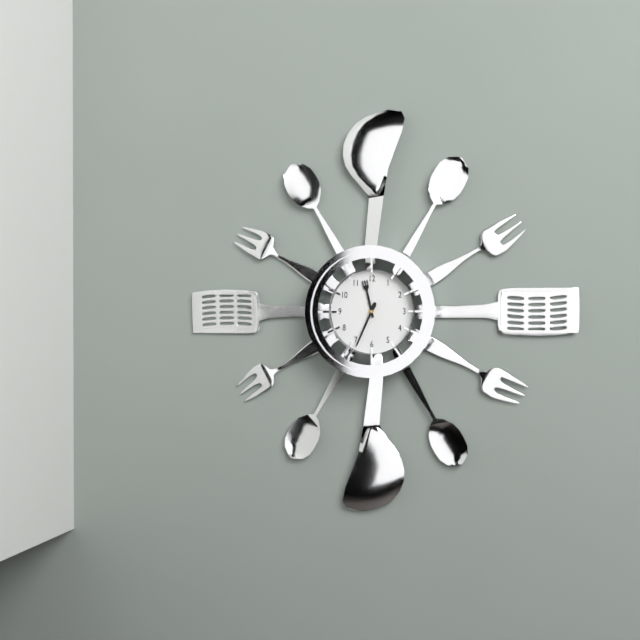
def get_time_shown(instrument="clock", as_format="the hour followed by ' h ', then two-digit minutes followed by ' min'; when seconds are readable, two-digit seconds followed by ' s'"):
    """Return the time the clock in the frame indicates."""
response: 11 h 34 min
